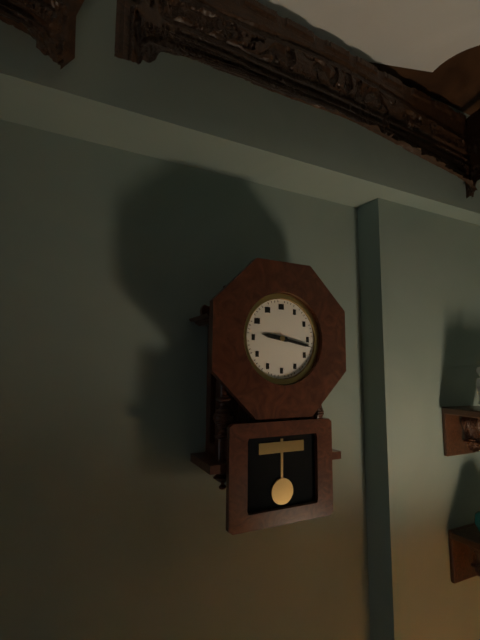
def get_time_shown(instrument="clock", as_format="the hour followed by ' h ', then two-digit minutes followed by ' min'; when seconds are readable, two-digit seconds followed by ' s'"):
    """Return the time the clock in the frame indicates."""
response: 9 h 17 min
